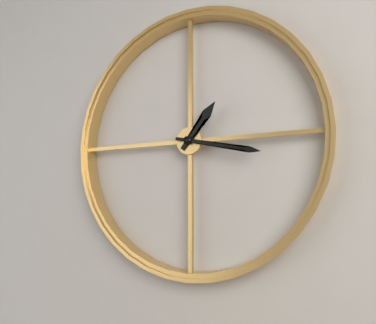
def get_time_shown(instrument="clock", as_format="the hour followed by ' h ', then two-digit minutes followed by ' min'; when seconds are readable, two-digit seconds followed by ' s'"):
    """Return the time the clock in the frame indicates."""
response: 1 h 17 min
